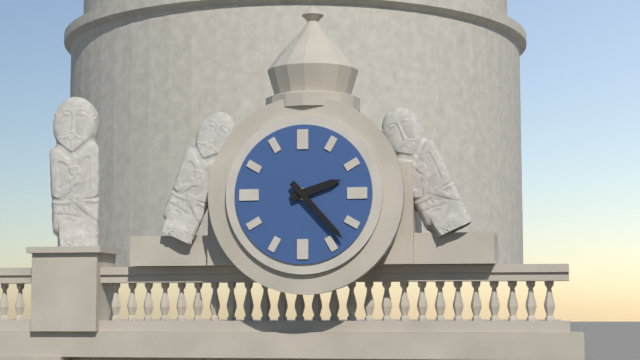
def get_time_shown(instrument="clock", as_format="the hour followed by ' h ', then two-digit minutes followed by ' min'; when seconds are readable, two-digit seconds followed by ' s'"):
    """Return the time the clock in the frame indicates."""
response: 2 h 23 min
